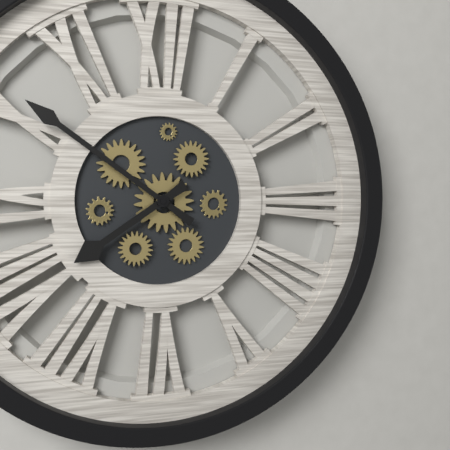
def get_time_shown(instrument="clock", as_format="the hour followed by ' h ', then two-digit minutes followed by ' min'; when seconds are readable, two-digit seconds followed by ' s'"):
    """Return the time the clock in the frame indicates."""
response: 7 h 51 min
